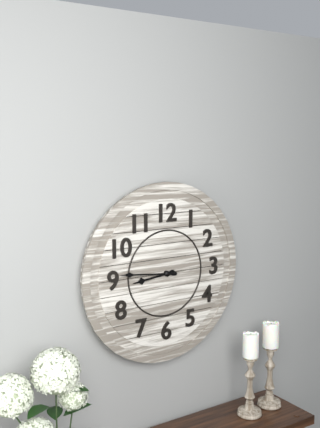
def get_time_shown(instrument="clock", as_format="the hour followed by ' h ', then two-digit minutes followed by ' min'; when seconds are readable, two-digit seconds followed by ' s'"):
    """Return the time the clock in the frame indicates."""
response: 8 h 46 min
